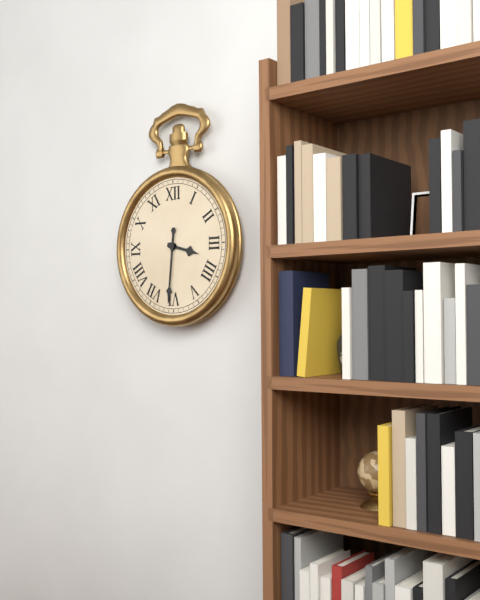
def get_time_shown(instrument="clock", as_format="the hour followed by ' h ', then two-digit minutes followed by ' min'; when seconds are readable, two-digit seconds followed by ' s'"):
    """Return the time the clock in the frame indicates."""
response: 3 h 31 min
